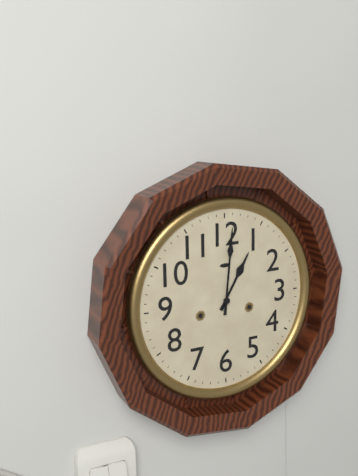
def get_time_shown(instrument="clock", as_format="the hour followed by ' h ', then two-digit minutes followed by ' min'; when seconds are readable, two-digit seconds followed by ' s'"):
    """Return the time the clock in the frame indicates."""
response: 1 h 01 min
